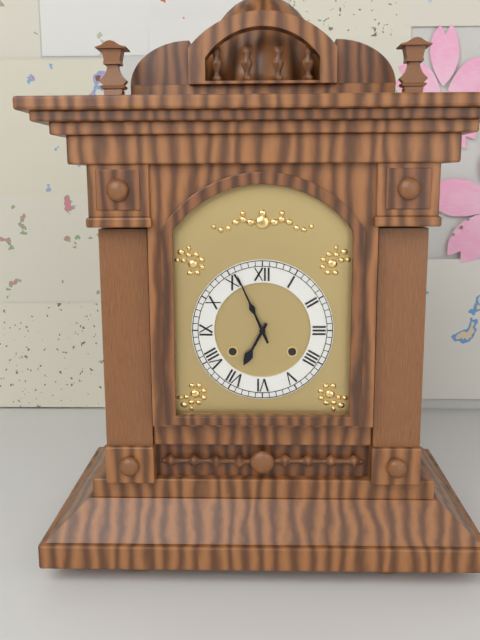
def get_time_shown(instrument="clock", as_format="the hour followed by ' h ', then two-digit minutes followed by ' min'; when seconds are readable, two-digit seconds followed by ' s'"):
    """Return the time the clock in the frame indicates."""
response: 6 h 56 min
